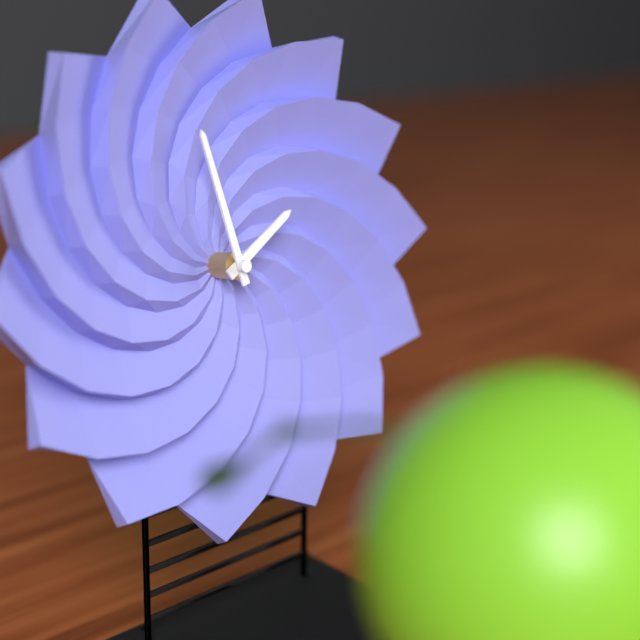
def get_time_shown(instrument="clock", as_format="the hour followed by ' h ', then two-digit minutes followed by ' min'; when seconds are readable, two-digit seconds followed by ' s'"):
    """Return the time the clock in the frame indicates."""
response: 1 h 58 min
